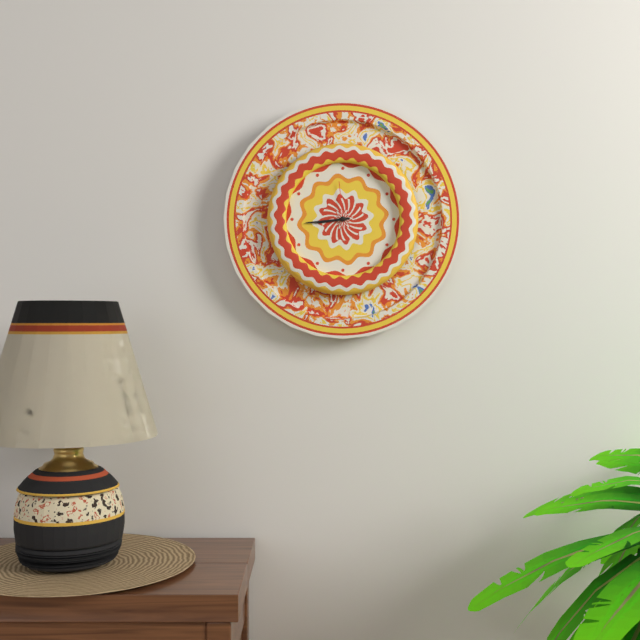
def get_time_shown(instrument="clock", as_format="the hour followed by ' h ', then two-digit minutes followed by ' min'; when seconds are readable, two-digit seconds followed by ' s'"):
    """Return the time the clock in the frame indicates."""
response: 8 h 44 min
